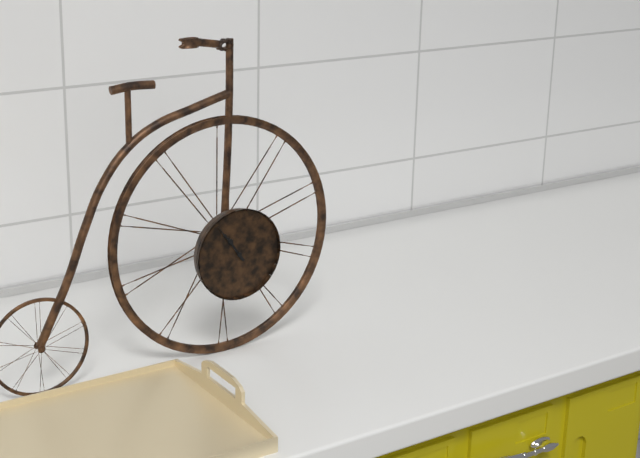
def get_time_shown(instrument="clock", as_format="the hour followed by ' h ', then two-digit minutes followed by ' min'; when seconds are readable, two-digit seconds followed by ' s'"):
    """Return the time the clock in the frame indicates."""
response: 10 h 54 min
